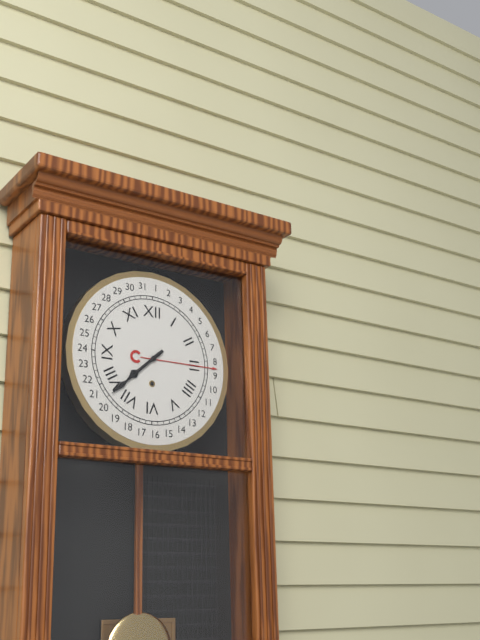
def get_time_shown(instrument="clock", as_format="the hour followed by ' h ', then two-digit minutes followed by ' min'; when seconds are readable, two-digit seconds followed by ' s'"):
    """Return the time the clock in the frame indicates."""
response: 7 h 38 min
